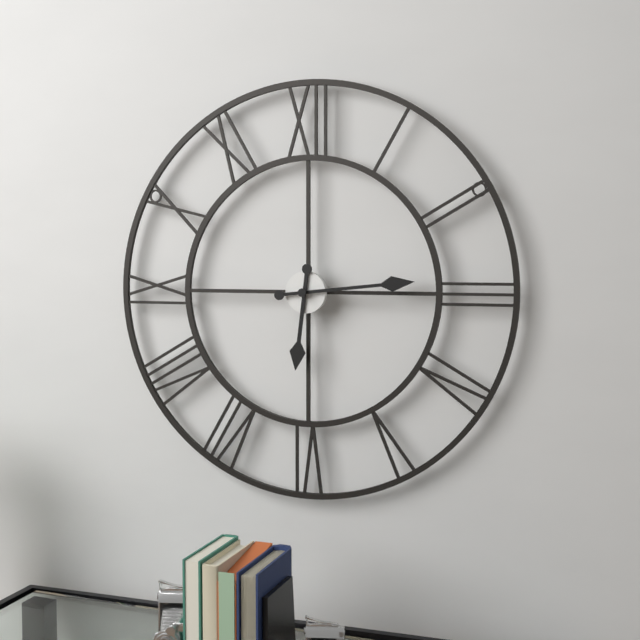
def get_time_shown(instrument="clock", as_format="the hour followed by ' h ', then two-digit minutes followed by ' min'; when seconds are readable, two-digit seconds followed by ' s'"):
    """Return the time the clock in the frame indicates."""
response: 6 h 14 min
